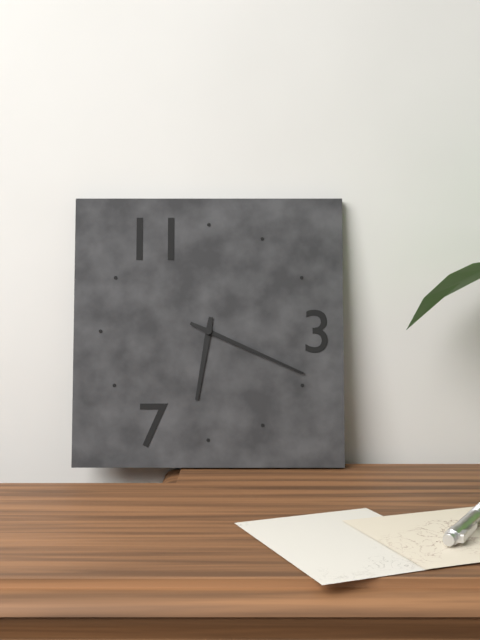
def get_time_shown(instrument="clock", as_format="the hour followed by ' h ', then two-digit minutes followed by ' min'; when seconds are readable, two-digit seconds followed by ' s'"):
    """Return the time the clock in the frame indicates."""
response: 6 h 19 min
